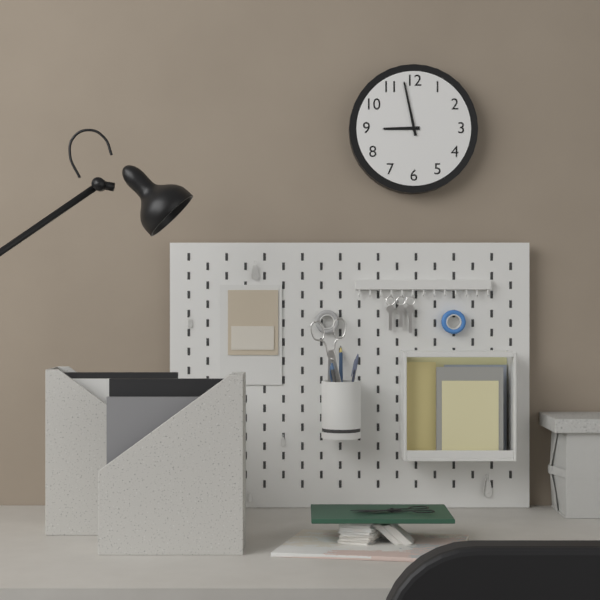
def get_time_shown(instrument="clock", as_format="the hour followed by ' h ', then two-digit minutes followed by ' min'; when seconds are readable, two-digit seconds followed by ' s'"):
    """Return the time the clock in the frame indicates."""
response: 8 h 58 min
